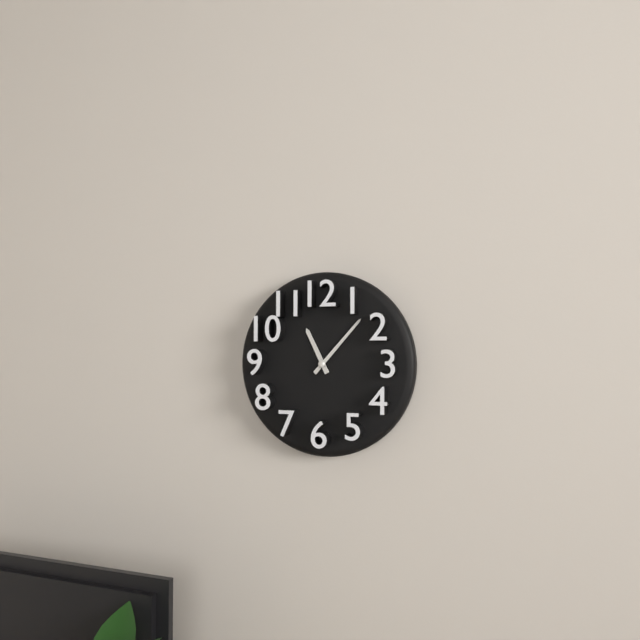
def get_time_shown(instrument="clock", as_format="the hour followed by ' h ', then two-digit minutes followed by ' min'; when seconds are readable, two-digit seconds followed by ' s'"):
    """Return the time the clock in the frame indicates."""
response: 11 h 07 min
